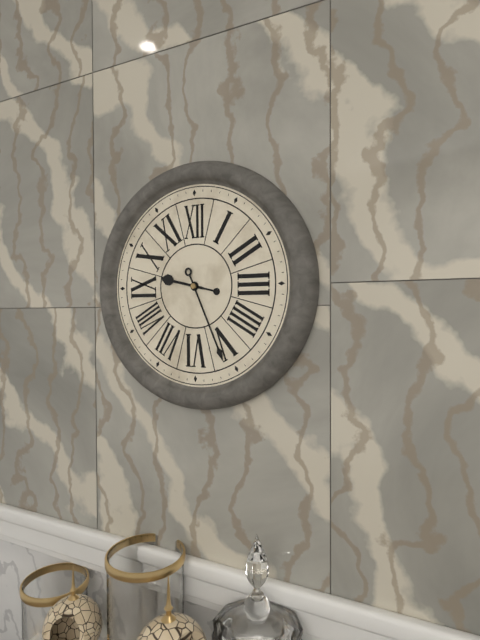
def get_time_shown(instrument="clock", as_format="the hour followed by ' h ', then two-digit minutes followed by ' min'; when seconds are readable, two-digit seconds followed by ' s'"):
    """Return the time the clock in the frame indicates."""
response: 9 h 26 min
